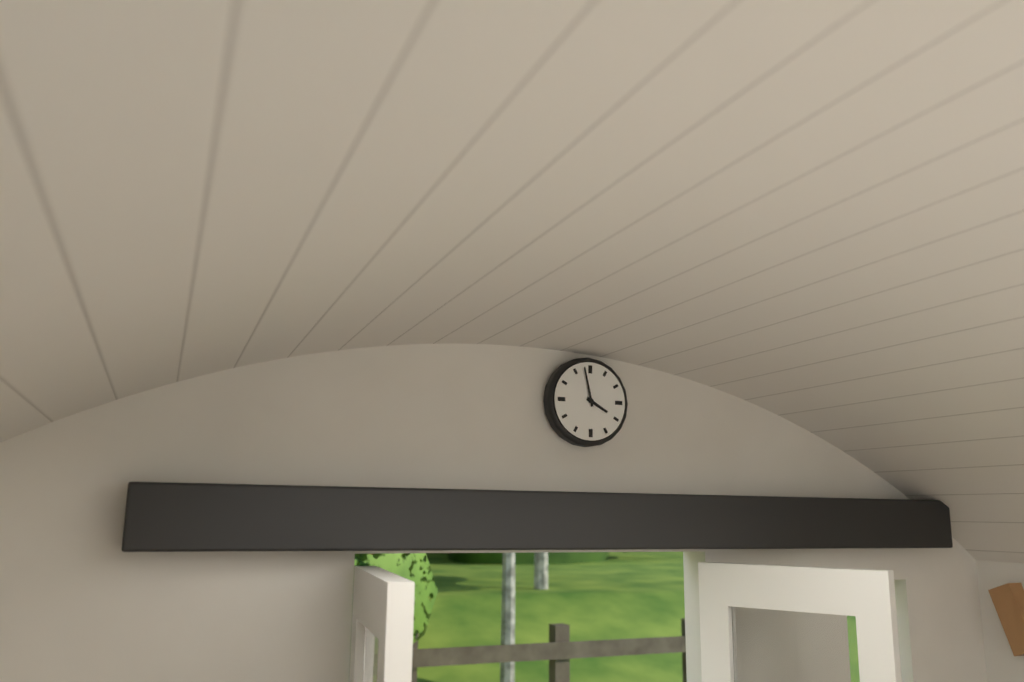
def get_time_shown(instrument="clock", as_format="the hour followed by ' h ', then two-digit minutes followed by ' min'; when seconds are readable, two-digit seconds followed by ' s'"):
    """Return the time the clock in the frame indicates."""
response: 3 h 58 min
